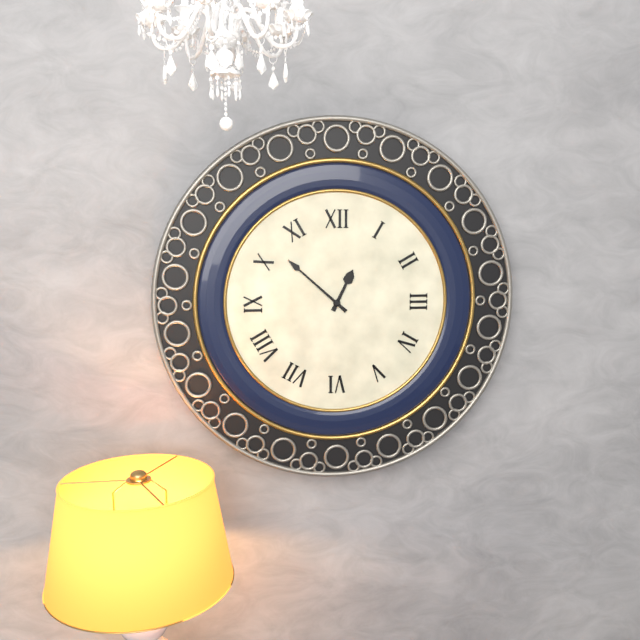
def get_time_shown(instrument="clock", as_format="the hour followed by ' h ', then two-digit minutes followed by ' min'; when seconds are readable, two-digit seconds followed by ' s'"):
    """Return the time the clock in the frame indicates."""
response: 12 h 52 min
